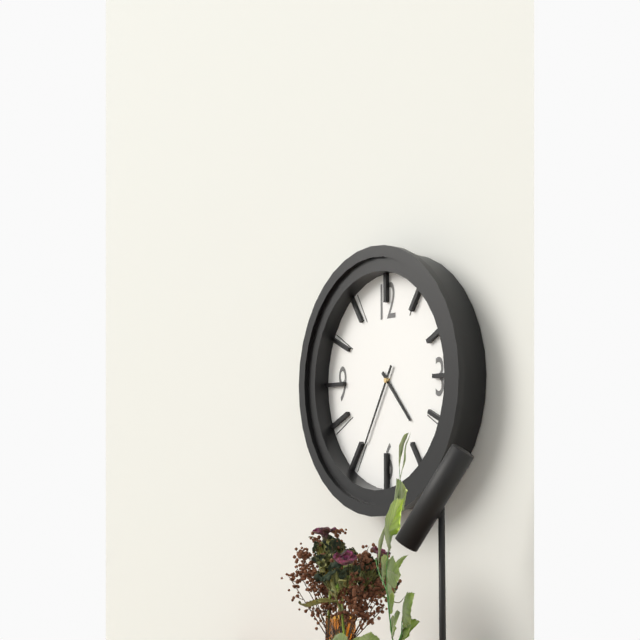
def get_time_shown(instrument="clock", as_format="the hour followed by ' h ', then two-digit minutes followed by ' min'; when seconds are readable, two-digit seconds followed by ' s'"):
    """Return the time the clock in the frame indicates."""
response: 4 h 35 min
